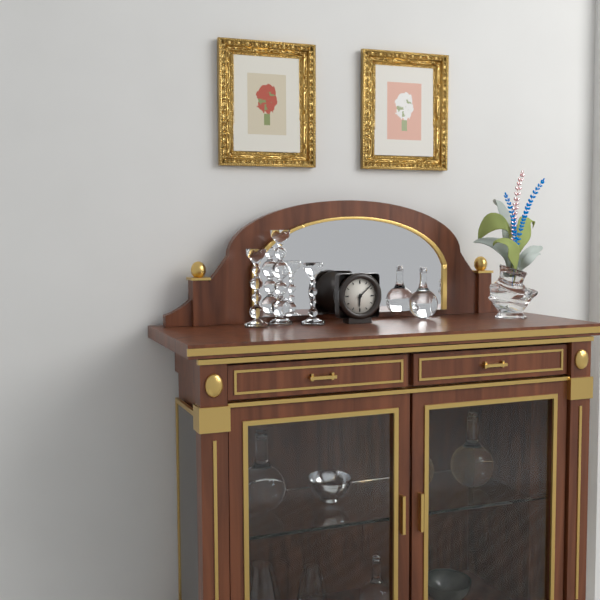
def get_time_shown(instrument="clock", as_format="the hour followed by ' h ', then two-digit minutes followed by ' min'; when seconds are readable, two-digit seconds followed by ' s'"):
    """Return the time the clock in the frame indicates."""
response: 6 h 08 min
